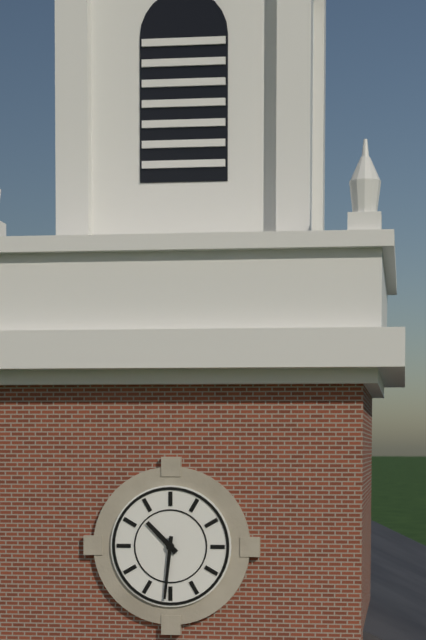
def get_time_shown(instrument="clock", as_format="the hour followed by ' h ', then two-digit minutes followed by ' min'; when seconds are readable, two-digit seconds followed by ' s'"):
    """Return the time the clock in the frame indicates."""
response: 10 h 31 min
